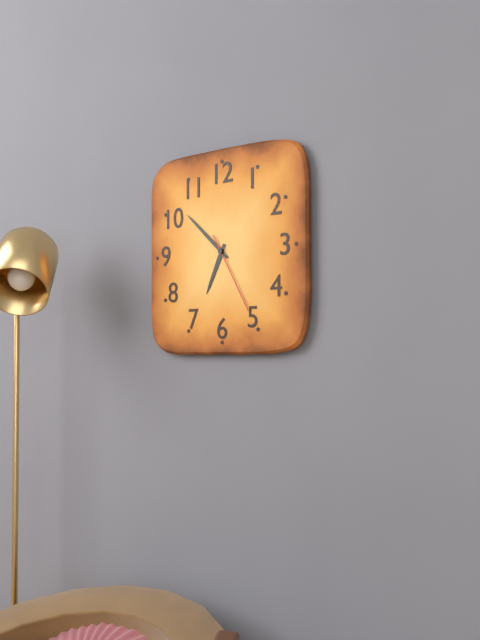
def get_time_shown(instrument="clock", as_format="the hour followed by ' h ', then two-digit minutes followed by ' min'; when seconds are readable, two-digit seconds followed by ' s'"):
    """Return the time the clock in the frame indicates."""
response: 6 h 52 min 25 s
